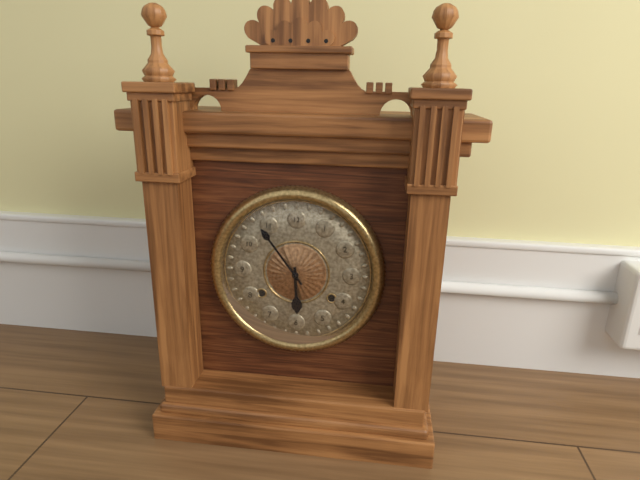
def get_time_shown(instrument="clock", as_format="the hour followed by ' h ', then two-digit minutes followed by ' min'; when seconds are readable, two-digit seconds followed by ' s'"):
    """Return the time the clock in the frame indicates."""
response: 5 h 54 min
